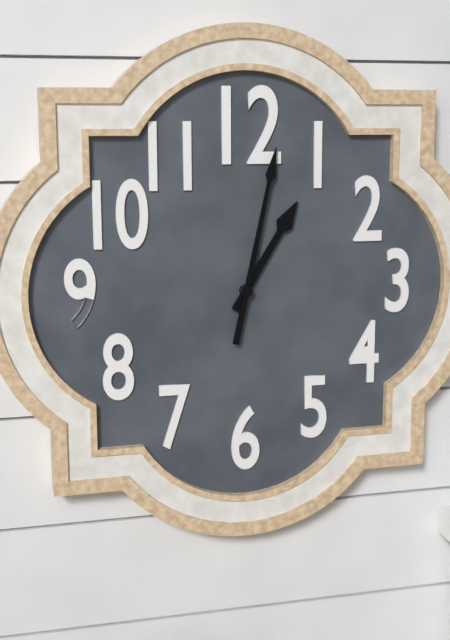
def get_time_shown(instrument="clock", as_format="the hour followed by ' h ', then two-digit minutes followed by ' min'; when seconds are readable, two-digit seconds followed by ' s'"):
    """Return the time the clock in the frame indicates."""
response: 1 h 02 min
